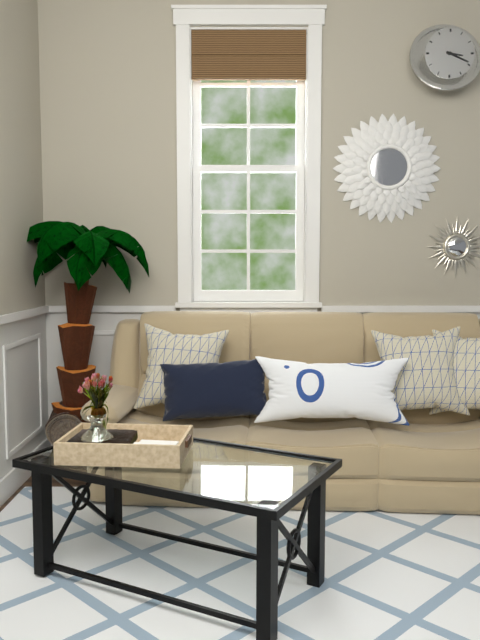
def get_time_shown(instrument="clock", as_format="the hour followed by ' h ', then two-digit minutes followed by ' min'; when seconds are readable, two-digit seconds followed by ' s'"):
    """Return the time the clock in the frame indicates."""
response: 3 h 19 min
